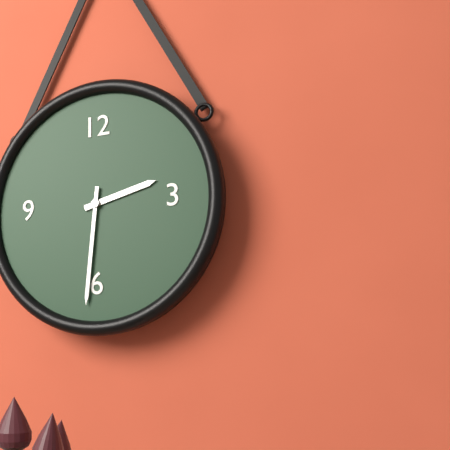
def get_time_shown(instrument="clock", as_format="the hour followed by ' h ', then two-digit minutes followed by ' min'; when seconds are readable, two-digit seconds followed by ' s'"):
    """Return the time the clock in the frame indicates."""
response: 2 h 31 min
